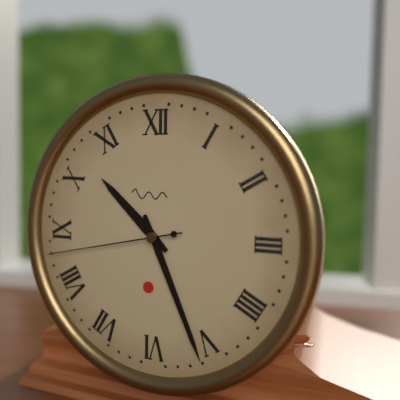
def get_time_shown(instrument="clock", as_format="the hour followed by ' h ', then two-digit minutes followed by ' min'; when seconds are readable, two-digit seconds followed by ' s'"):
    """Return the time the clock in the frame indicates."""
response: 10 h 26 min 43 s
